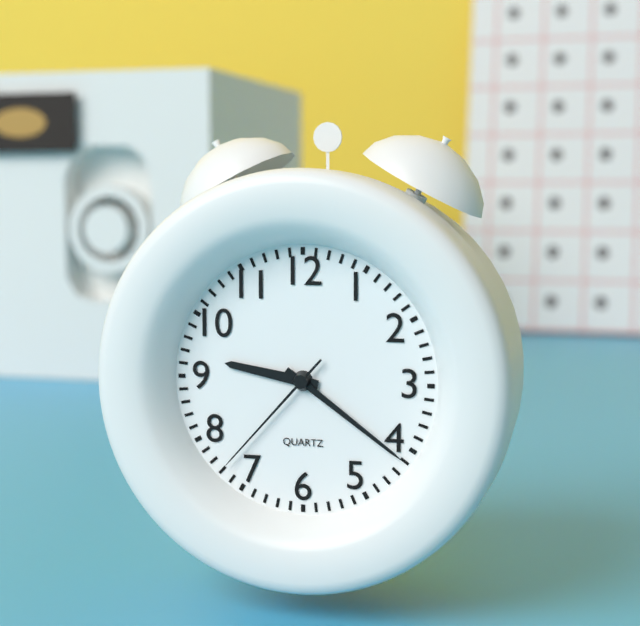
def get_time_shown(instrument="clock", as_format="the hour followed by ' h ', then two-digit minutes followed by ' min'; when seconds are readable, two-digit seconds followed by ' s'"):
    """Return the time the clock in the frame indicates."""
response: 9 h 21 min 37 s
